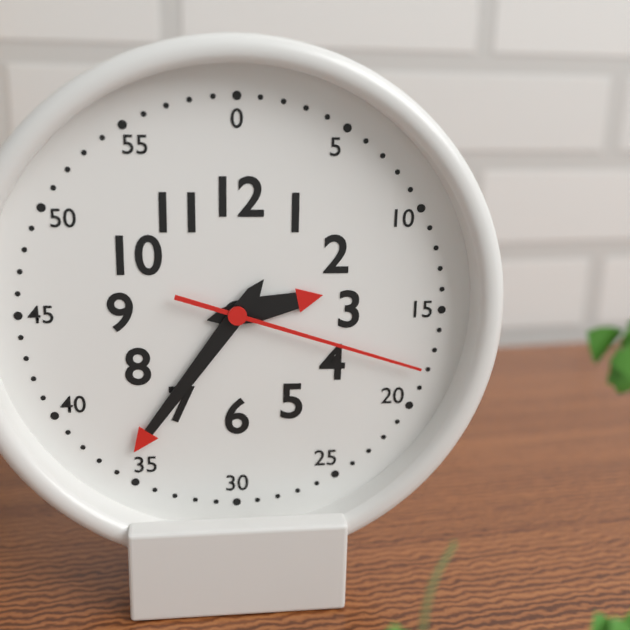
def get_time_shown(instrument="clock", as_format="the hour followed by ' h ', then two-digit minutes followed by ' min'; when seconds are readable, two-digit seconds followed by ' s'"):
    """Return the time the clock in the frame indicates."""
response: 2 h 36 min 18 s
